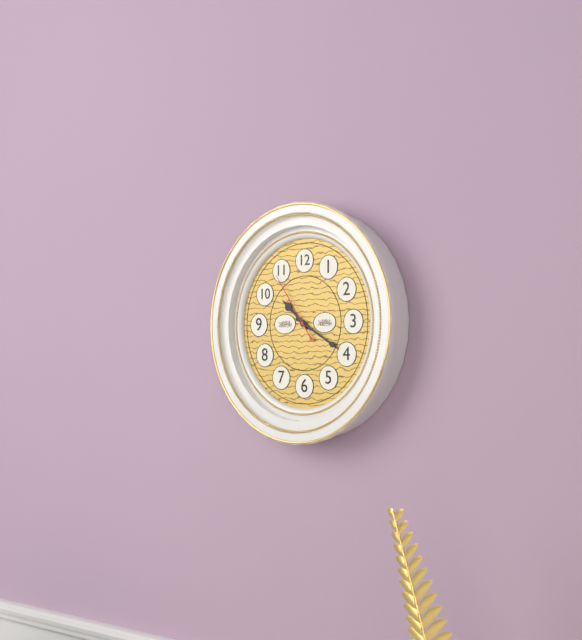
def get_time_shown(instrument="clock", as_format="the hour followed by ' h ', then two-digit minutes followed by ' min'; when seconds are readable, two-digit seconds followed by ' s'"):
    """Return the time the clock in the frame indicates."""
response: 10 h 20 min 54 s
